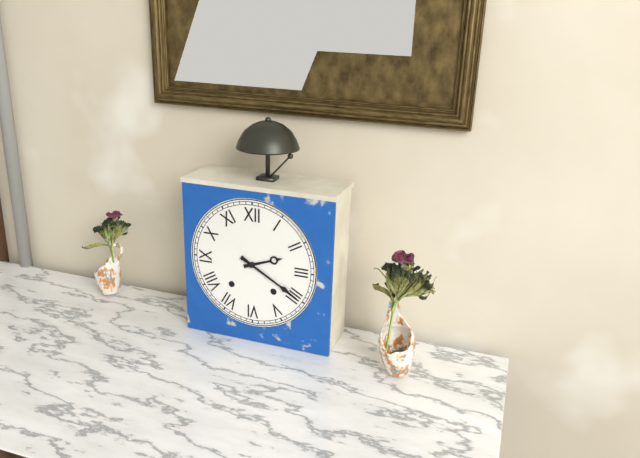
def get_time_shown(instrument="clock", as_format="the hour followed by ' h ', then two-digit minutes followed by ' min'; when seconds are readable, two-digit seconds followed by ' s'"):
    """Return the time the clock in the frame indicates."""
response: 2 h 20 min
